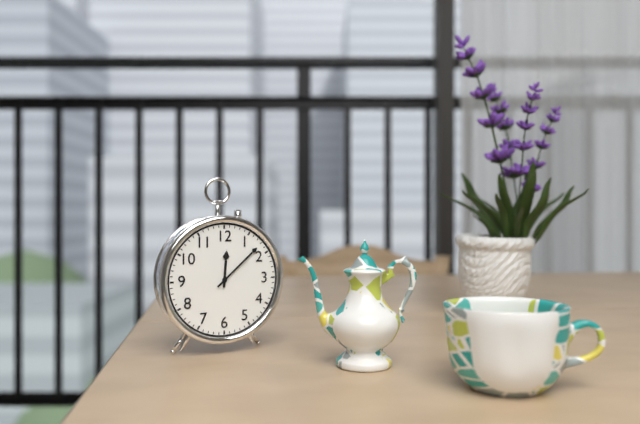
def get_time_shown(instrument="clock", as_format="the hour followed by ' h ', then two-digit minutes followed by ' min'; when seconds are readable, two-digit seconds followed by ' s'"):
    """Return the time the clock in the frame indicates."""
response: 12 h 08 min
